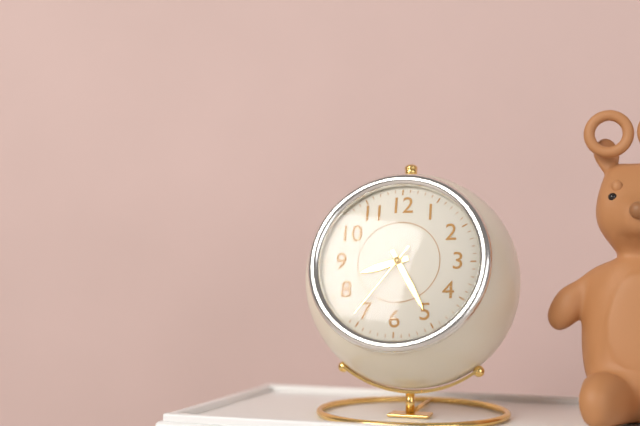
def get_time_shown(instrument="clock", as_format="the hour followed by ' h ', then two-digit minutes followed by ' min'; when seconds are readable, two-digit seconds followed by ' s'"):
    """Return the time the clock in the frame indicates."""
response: 8 h 25 min 36 s
